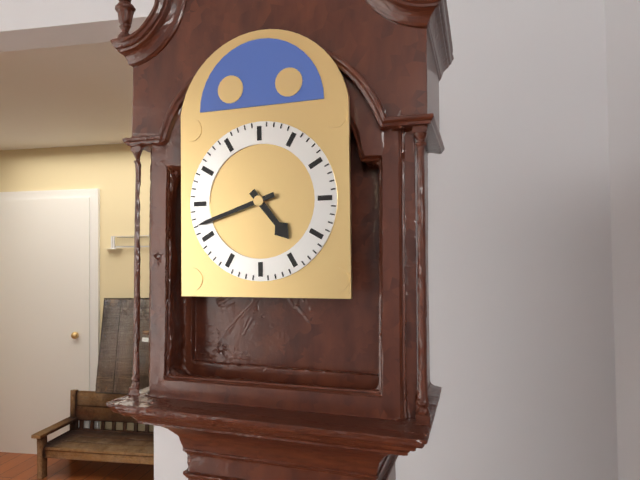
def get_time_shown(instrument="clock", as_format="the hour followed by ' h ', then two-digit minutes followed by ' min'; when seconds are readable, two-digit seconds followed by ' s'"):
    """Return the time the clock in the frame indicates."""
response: 4 h 42 min
